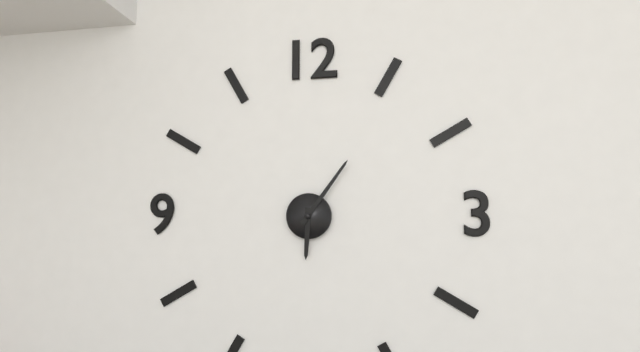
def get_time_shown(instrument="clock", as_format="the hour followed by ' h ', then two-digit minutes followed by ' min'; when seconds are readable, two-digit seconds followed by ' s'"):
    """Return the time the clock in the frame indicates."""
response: 6 h 06 min
